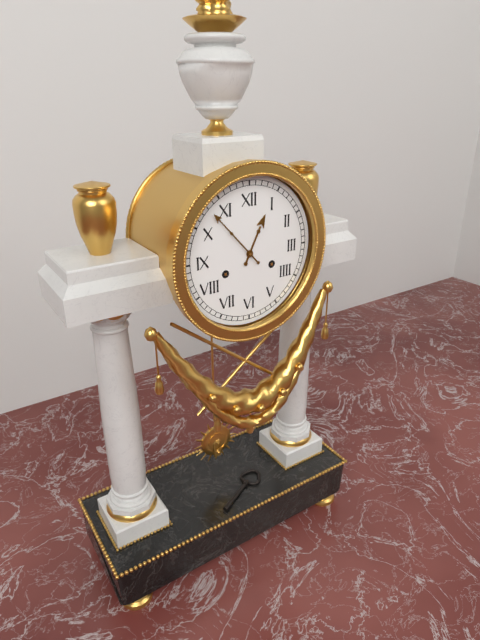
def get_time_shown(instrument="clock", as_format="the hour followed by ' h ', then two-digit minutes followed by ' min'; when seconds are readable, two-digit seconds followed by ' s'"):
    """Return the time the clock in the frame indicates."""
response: 12 h 53 min
